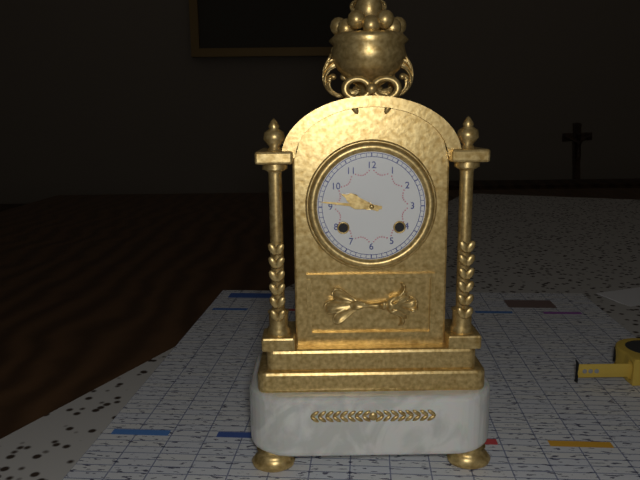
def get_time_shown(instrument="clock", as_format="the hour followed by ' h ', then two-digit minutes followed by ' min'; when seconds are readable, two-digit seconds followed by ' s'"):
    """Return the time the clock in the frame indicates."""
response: 9 h 46 min
